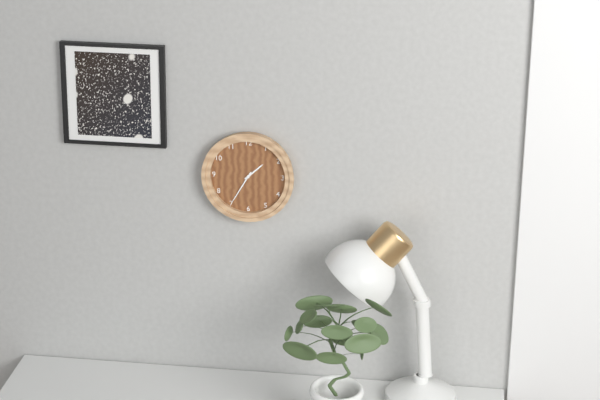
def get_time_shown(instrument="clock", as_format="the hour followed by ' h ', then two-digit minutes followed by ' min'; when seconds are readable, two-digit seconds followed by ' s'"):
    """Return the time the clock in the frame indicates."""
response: 1 h 35 min
